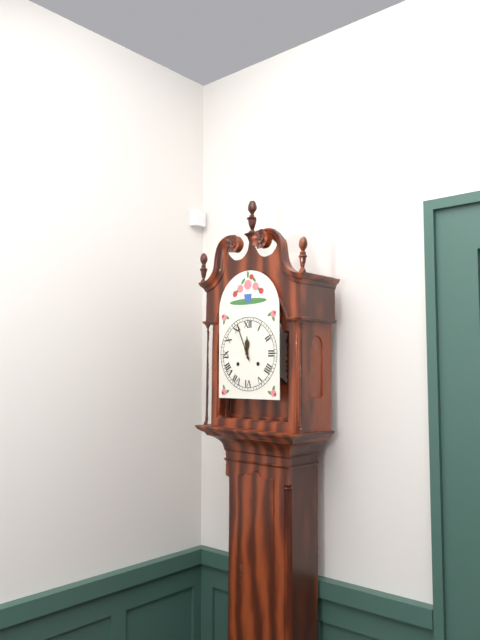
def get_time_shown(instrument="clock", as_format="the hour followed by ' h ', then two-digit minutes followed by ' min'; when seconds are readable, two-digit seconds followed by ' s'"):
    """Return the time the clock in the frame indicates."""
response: 11 h 56 min
